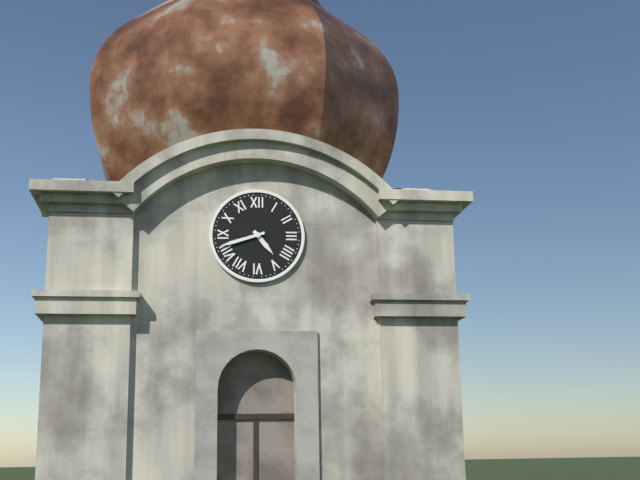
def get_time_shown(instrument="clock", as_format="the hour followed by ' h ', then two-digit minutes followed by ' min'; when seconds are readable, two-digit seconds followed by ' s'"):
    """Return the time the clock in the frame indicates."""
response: 4 h 42 min
